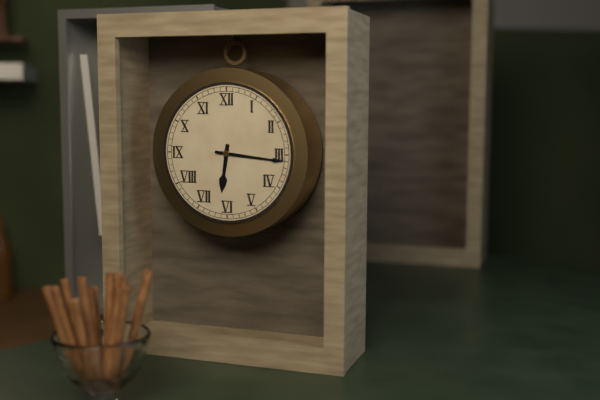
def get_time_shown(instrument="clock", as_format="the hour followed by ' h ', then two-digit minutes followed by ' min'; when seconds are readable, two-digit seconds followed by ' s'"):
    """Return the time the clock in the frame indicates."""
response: 6 h 16 min
